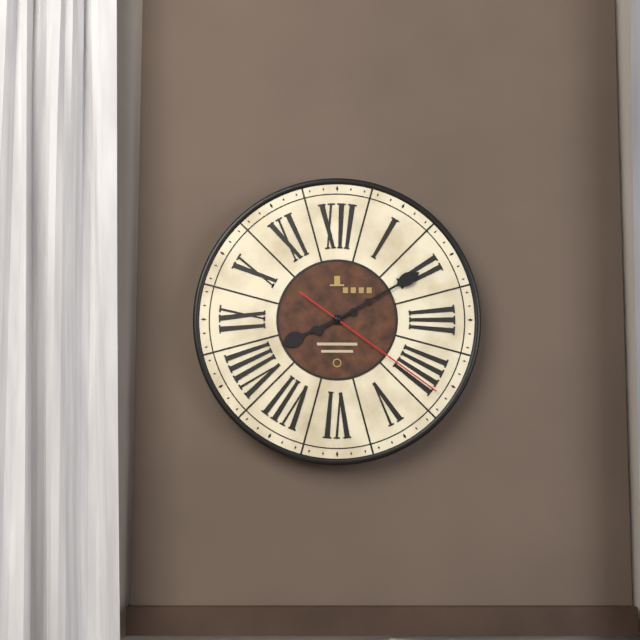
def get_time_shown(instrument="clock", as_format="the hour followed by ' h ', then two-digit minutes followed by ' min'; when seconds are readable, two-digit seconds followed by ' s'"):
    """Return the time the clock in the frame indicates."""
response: 8 h 10 min 21 s
